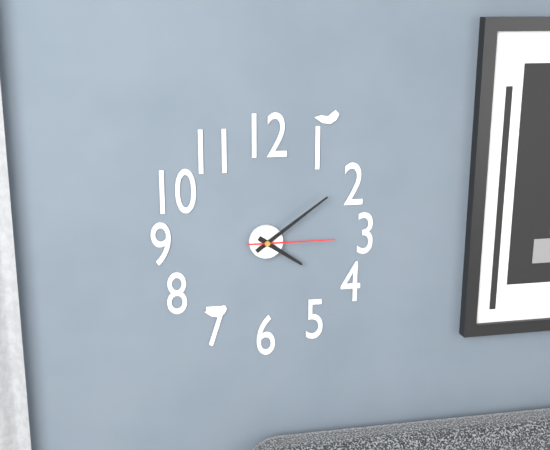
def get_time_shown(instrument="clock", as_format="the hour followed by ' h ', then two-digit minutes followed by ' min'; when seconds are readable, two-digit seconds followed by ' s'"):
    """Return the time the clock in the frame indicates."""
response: 4 h 09 min 15 s
